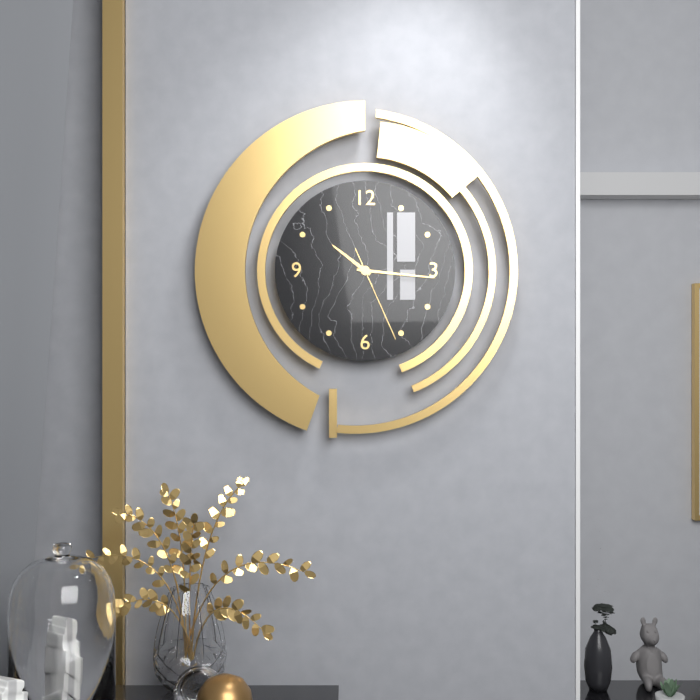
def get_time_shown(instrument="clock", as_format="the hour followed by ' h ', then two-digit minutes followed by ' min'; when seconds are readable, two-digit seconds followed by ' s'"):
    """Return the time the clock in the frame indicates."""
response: 10 h 16 min 26 s
